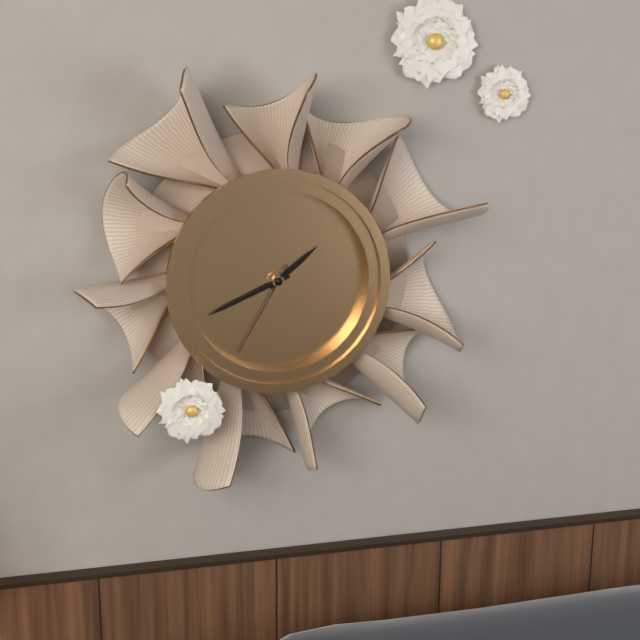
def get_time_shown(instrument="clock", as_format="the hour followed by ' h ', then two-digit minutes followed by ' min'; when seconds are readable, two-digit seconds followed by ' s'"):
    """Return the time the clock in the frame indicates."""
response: 1 h 41 min 35 s
